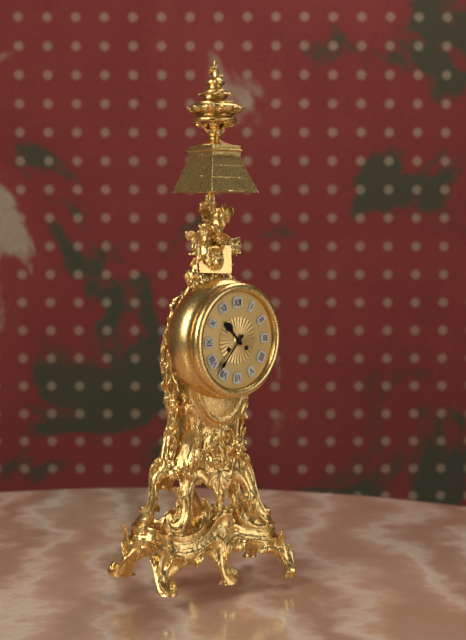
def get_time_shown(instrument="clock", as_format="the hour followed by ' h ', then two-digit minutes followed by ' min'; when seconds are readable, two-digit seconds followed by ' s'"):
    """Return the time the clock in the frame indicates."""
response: 10 h 37 min
